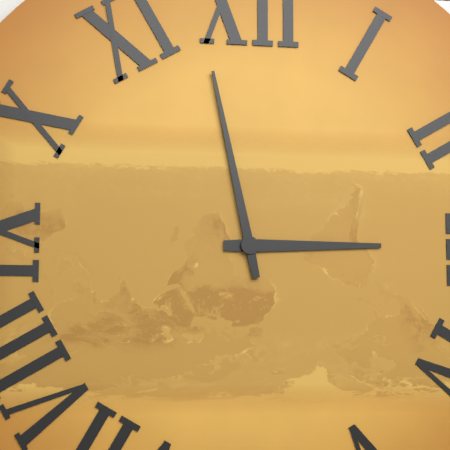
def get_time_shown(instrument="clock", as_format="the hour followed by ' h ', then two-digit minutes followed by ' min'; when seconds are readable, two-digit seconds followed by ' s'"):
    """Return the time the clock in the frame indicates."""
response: 2 h 58 min
